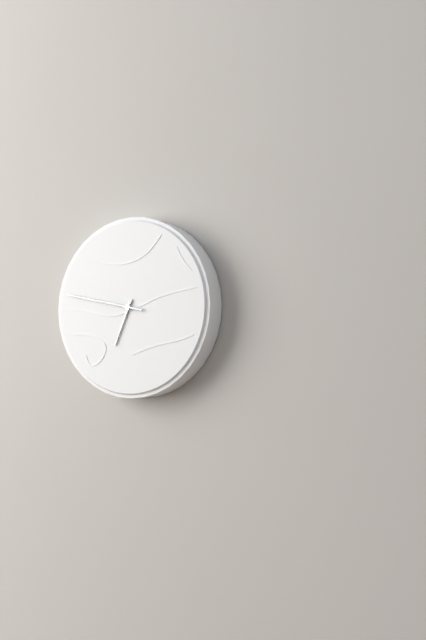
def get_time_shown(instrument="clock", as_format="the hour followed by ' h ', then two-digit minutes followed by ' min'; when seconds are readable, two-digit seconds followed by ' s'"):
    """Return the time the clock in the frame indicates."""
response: 6 h 47 min
